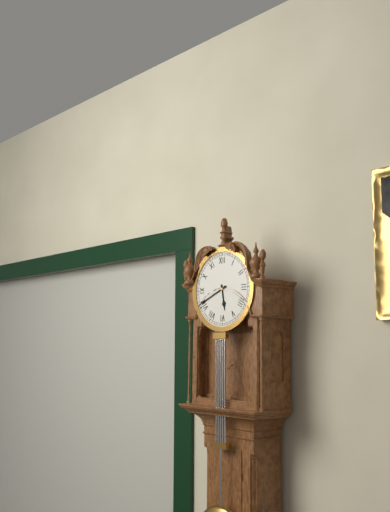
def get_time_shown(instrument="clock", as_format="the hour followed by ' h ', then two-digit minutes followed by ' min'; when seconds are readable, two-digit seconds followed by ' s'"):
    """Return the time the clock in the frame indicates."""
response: 5 h 41 min
